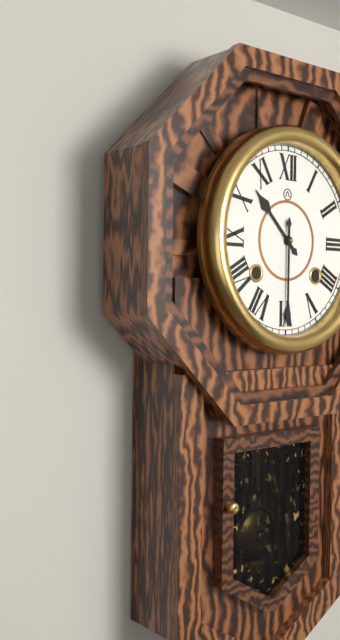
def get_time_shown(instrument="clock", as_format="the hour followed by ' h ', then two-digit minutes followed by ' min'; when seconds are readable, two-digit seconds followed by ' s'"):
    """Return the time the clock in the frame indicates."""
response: 10 h 30 min
